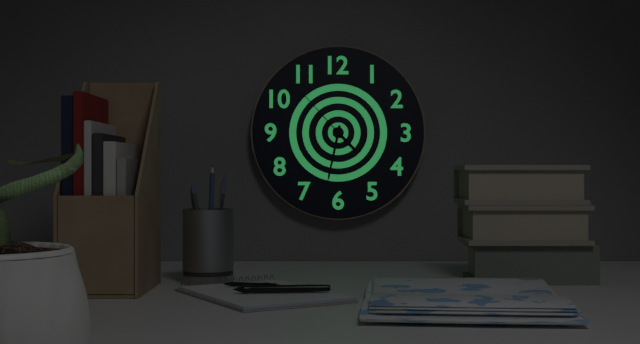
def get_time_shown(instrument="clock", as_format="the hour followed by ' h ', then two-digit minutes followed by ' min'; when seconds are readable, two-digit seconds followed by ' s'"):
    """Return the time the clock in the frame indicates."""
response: 4 h 32 min 53 s
